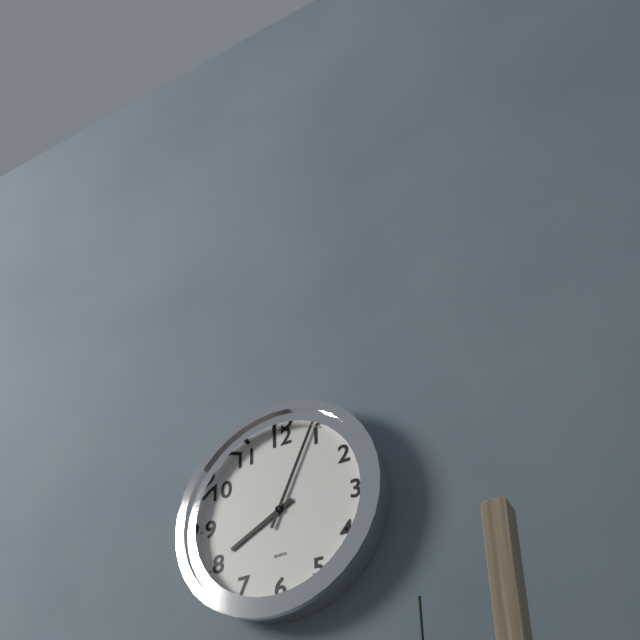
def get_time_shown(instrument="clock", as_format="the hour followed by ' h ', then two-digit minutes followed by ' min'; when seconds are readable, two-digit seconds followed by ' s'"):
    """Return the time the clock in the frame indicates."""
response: 8 h 04 min
